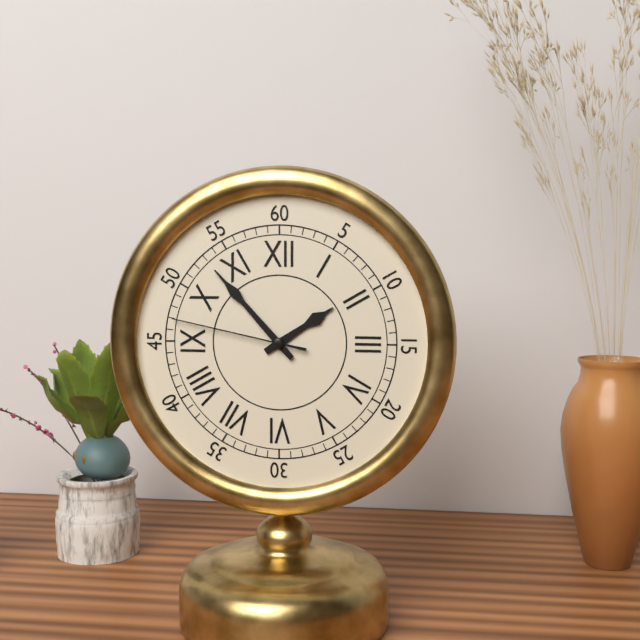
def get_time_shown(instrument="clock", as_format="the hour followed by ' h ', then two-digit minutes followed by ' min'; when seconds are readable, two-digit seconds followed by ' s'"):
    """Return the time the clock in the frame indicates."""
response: 1 h 53 min 47 s
